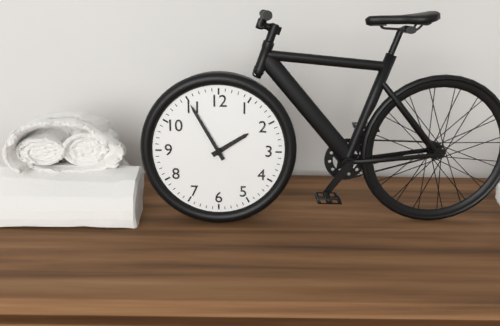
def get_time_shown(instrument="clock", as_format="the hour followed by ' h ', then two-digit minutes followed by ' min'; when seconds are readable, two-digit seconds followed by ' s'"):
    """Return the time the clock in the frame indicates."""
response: 1 h 55 min
